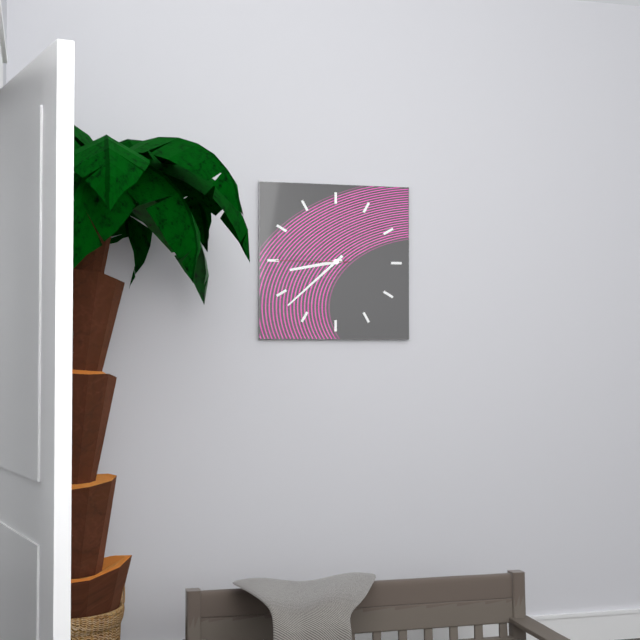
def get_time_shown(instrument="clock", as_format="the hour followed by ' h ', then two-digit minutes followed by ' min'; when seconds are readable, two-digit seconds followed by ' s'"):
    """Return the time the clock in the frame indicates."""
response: 8 h 38 min 45 s
